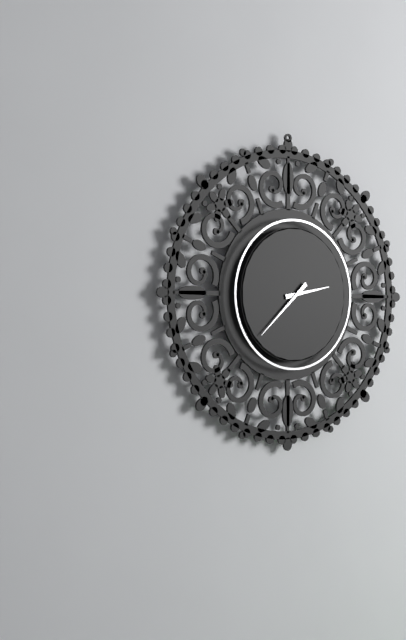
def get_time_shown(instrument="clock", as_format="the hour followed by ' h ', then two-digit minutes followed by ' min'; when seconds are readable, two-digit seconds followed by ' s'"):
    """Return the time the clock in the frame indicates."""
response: 2 h 38 min
